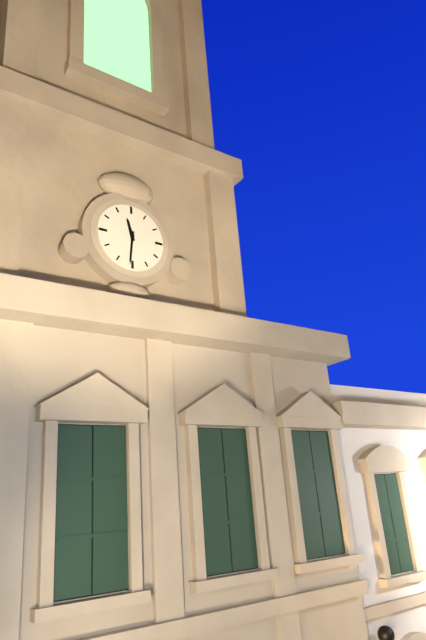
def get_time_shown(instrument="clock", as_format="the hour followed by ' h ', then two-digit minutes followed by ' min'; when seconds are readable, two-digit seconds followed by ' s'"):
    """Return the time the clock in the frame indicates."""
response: 11 h 31 min
